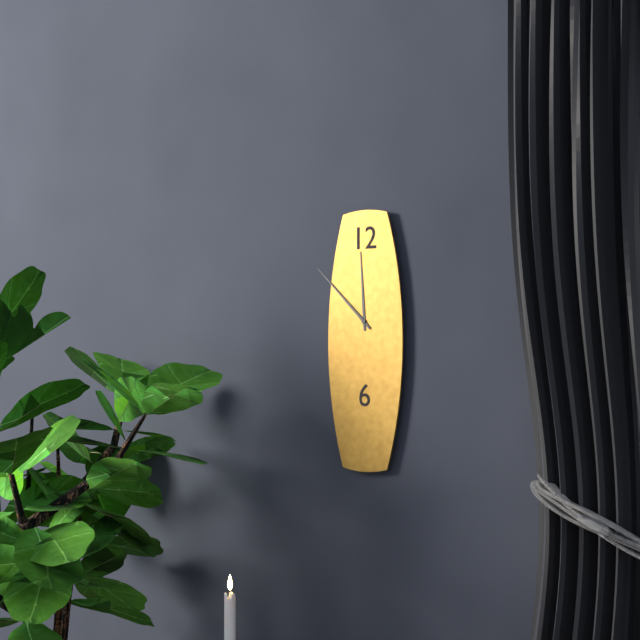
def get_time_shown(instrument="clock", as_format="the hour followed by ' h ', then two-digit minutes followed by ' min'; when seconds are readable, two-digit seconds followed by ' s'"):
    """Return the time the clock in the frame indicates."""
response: 11 h 52 min
